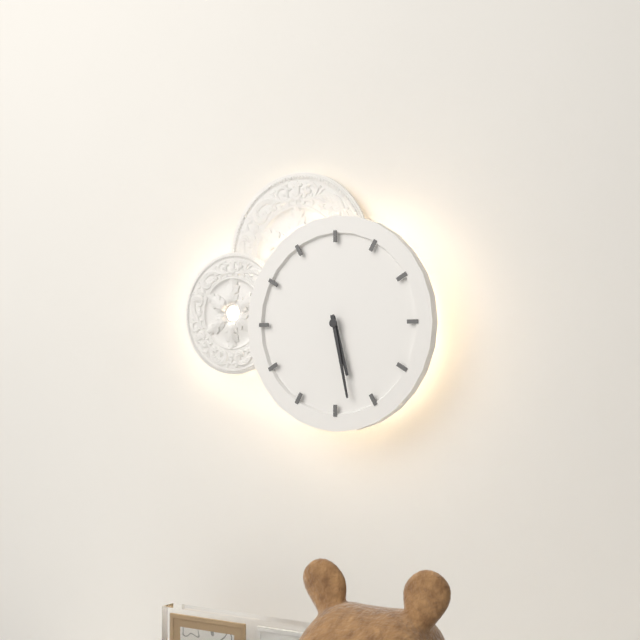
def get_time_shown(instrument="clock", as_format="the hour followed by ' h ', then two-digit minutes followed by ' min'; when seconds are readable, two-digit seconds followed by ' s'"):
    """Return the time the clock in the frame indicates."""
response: 5 h 28 min
